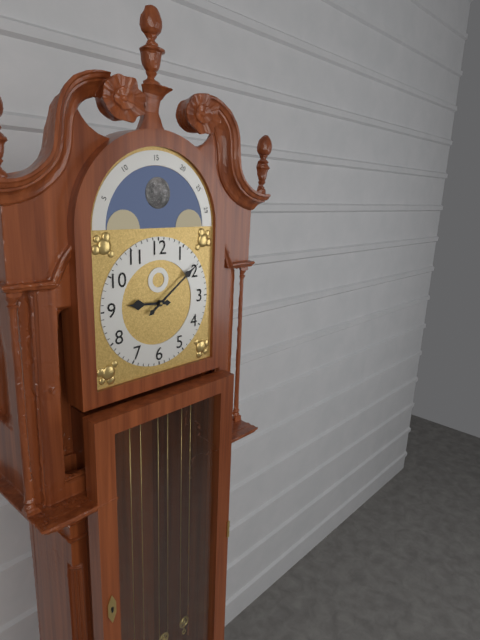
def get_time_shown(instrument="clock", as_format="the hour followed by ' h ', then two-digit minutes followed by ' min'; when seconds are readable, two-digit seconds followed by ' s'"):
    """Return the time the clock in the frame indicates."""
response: 9 h 09 min
